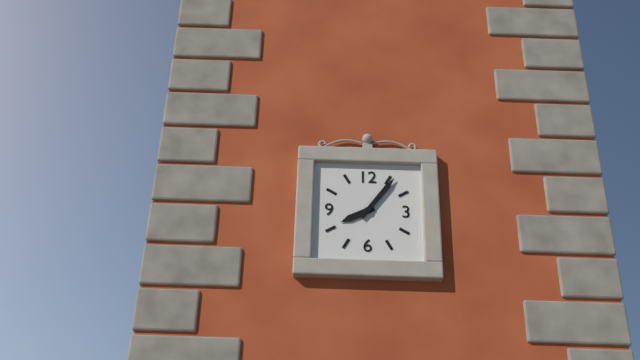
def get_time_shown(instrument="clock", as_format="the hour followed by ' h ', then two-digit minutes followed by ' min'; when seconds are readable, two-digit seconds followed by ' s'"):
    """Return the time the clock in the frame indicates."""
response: 8 h 06 min
